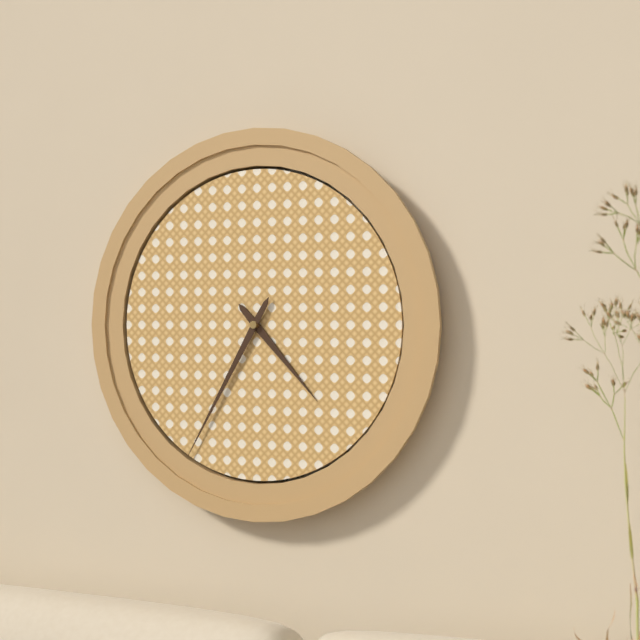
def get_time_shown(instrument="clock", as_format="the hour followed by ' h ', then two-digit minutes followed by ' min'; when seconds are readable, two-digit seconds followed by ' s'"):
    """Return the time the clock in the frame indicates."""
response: 4 h 35 min
